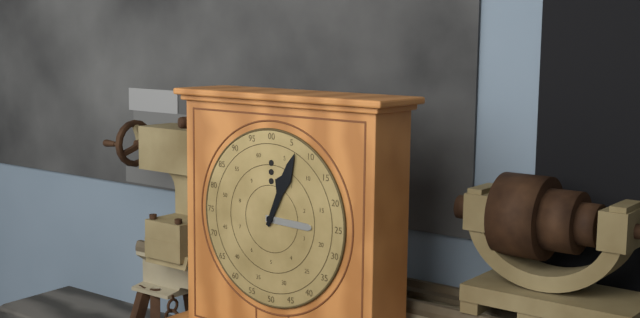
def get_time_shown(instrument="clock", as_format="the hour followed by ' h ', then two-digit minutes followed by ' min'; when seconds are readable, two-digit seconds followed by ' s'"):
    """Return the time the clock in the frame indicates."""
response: 3 h 04 min
